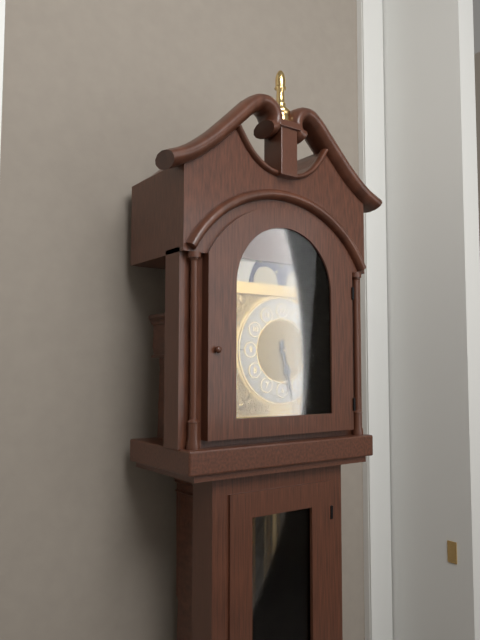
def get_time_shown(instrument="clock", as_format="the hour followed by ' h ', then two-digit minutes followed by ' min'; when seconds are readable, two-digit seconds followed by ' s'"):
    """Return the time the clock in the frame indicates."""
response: 5 h 28 min
